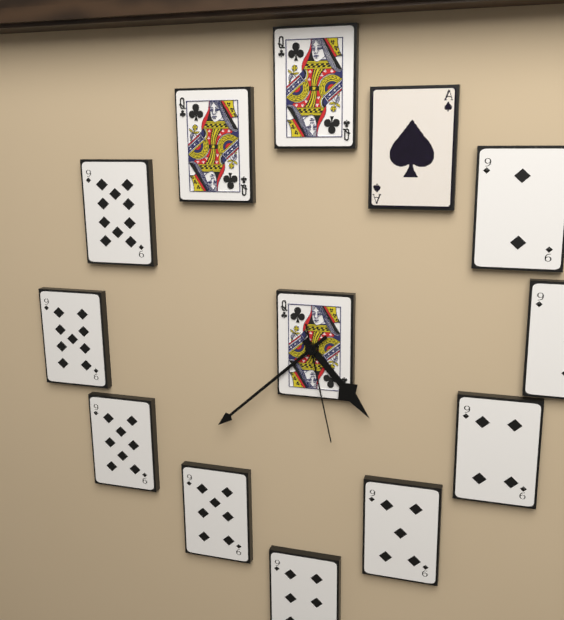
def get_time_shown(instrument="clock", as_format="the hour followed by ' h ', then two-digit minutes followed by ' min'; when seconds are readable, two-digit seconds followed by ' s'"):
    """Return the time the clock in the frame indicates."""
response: 4 h 38 min 28 s
